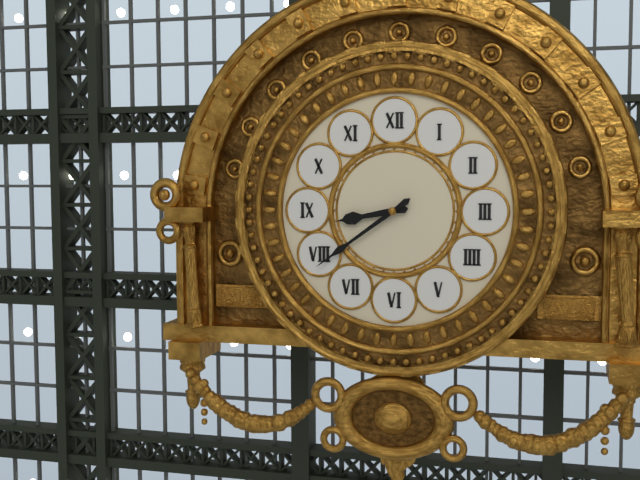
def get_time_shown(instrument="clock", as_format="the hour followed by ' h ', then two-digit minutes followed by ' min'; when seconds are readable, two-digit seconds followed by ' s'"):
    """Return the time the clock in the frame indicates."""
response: 8 h 39 min
